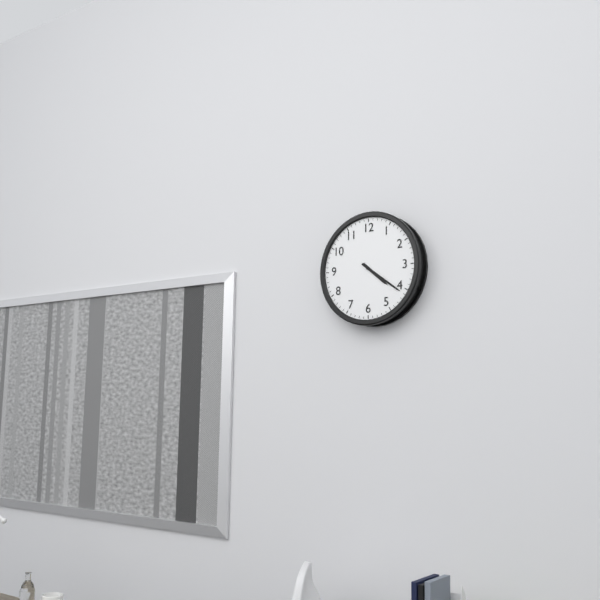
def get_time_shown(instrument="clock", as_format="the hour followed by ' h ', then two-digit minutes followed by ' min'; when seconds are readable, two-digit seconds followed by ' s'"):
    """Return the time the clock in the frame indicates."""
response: 4 h 21 min
